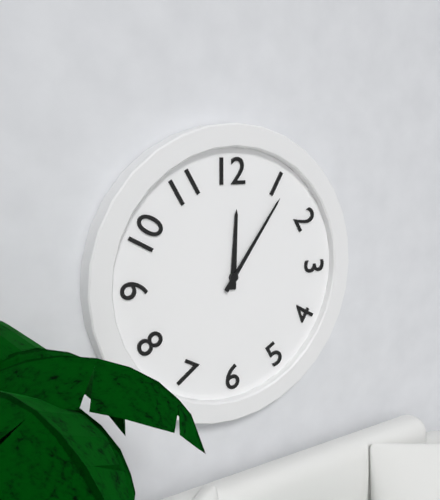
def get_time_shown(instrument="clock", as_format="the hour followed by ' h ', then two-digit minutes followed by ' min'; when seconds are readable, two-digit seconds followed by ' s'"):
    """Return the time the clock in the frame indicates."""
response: 12 h 06 min
